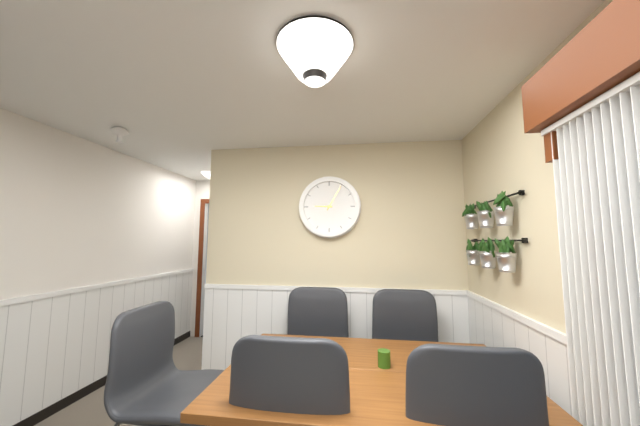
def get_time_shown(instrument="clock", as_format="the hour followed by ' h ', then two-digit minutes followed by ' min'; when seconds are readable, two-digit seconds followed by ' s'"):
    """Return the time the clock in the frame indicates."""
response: 9 h 05 min
